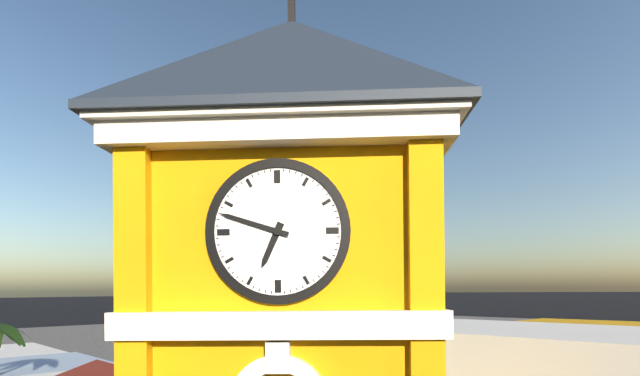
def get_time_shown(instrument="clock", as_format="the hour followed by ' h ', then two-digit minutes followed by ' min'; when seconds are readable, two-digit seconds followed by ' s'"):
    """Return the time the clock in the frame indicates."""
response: 6 h 48 min
